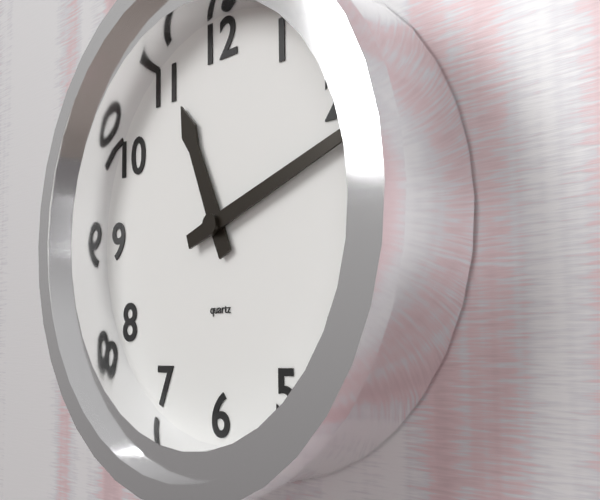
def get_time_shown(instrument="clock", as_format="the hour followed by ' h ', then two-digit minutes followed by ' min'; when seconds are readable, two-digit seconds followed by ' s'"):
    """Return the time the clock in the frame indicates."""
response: 11 h 12 min
